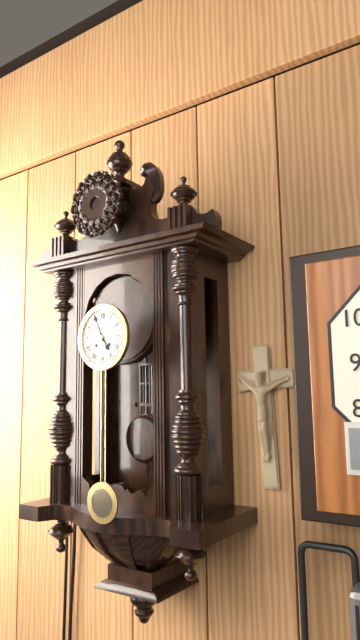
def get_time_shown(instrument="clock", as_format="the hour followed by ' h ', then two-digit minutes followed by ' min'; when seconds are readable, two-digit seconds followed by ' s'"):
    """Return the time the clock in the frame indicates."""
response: 4 h 56 min
